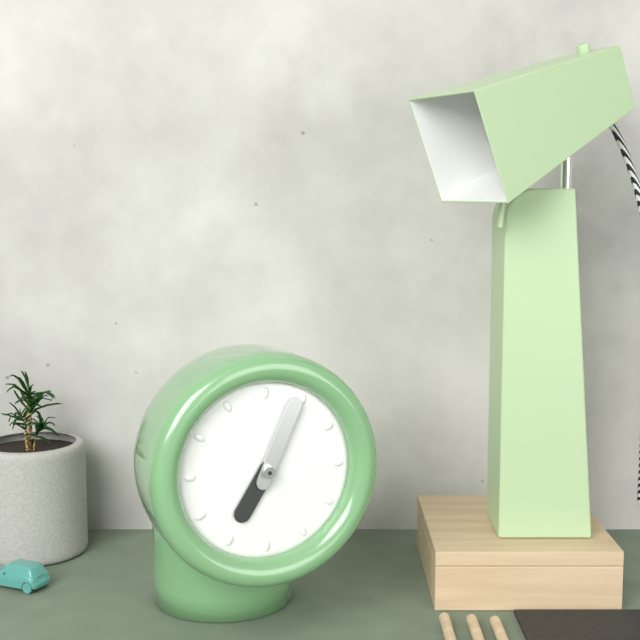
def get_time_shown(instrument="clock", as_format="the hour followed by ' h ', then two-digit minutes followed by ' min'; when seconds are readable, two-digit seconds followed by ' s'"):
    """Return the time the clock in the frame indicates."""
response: 7 h 04 min
